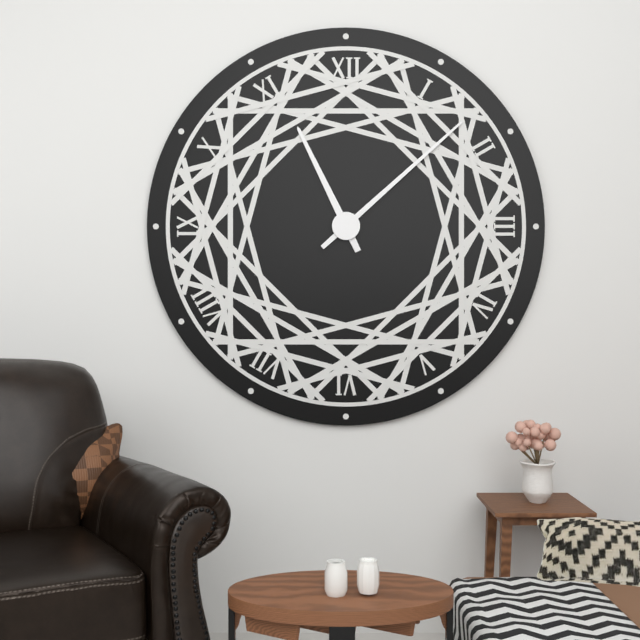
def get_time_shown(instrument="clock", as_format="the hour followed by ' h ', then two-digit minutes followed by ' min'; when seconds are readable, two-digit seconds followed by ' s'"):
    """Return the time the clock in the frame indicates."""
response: 11 h 08 min
